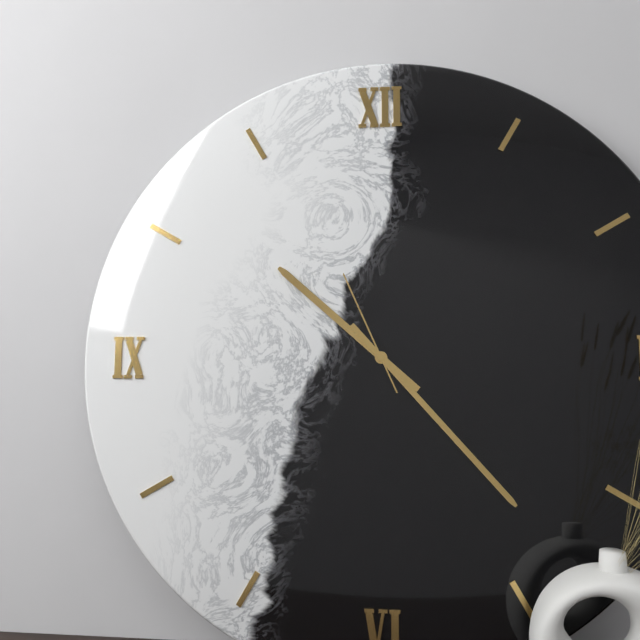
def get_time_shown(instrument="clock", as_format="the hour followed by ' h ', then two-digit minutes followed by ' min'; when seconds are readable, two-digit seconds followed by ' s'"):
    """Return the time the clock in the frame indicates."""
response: 10 h 23 min 56 s
